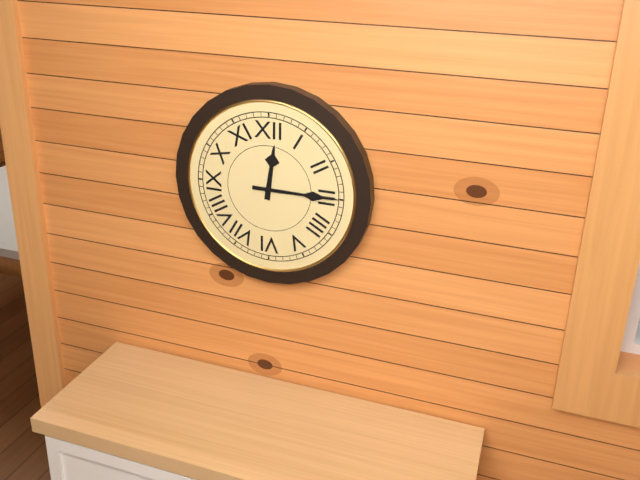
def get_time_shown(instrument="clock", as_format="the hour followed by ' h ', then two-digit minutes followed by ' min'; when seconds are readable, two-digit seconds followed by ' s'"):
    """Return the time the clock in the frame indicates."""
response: 12 h 15 min
